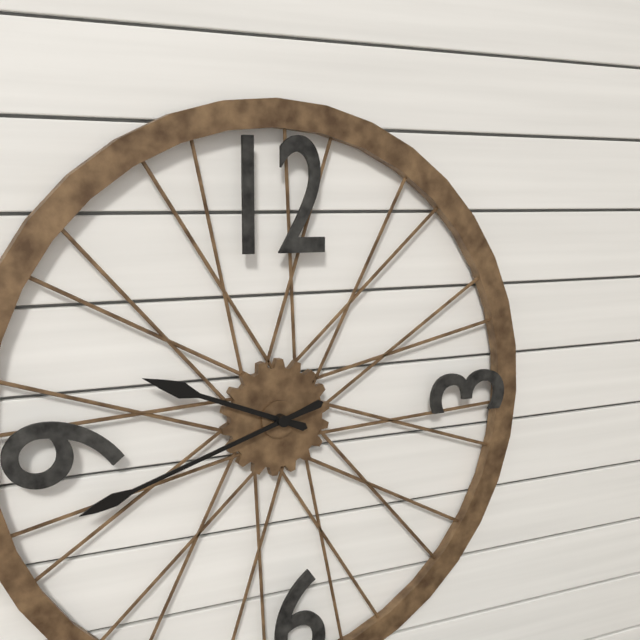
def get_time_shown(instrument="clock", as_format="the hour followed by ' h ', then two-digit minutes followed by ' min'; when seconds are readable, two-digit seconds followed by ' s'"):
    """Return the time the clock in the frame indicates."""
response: 9 h 42 min
